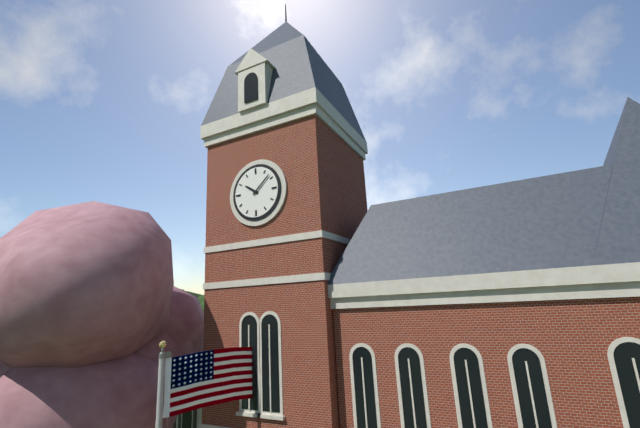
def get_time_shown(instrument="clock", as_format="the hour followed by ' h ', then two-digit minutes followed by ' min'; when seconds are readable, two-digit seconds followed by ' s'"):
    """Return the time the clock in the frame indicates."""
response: 10 h 08 min
